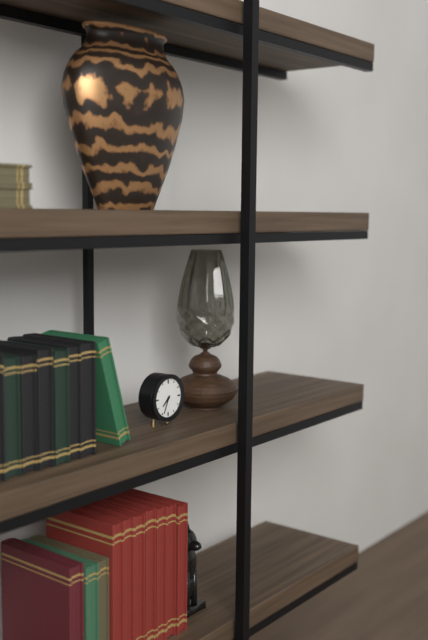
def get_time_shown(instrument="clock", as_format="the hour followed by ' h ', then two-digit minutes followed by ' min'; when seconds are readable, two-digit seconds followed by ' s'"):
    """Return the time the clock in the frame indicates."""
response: 7 h 34 min
